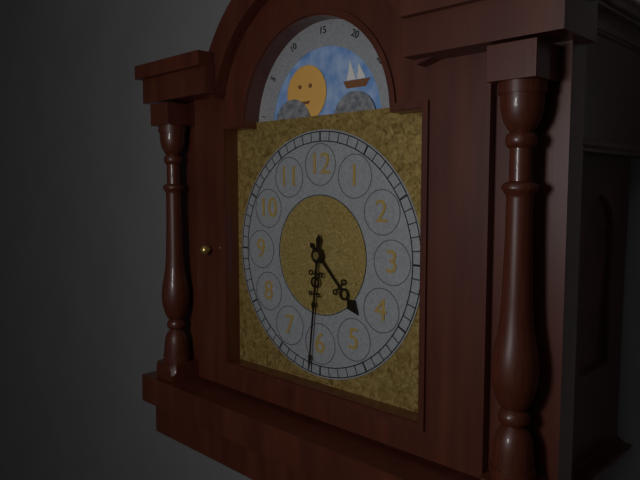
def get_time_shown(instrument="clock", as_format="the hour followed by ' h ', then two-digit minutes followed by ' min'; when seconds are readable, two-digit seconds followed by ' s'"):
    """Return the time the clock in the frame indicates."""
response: 4 h 31 min
